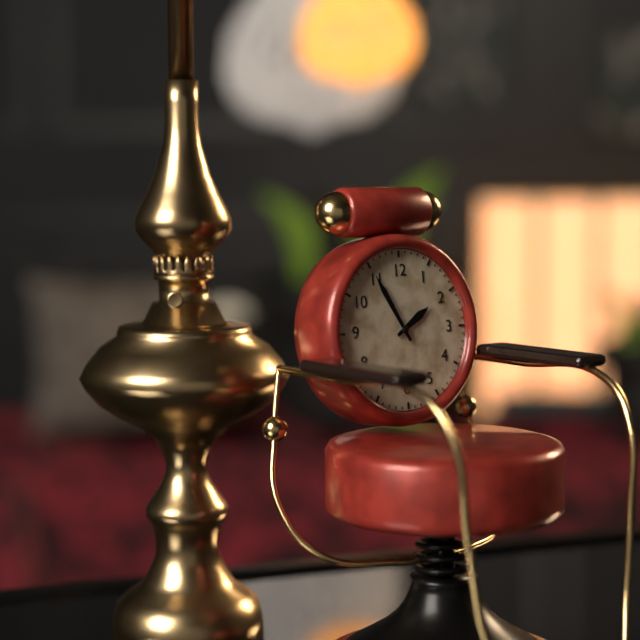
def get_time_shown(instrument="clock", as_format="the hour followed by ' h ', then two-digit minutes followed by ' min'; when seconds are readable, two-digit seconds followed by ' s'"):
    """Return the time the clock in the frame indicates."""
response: 1 h 55 min
